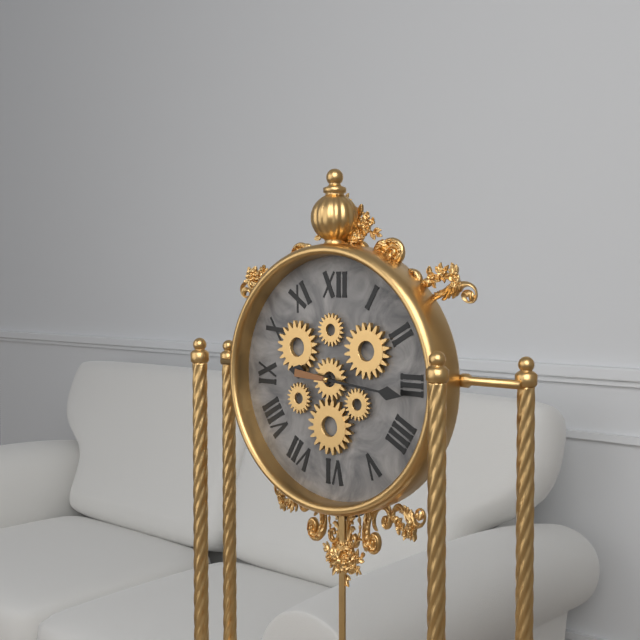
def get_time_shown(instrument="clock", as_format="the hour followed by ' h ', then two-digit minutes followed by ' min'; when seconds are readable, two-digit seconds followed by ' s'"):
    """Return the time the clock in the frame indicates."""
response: 9 h 16 min
